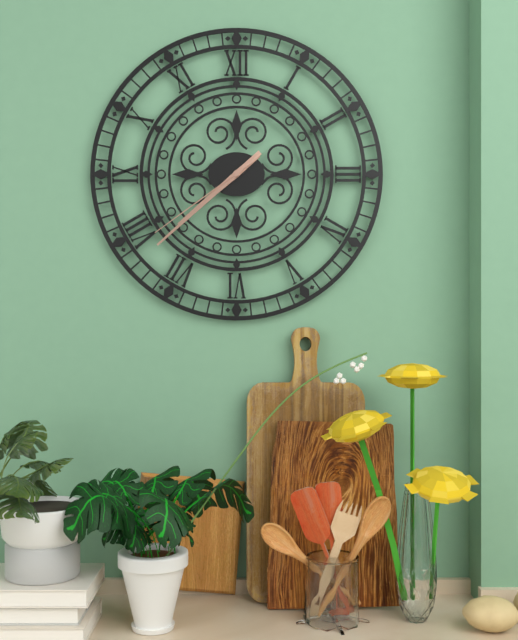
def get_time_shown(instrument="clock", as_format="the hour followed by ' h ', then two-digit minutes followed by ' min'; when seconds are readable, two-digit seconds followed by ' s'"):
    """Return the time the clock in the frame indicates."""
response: 7 h 38 min 39 s
